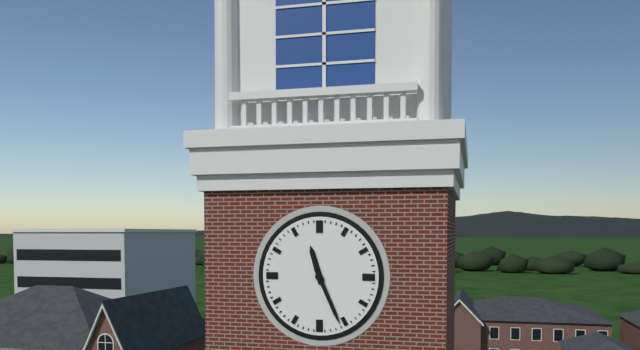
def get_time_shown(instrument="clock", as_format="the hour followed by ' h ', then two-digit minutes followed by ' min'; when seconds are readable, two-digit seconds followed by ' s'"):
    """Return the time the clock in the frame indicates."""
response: 11 h 26 min
